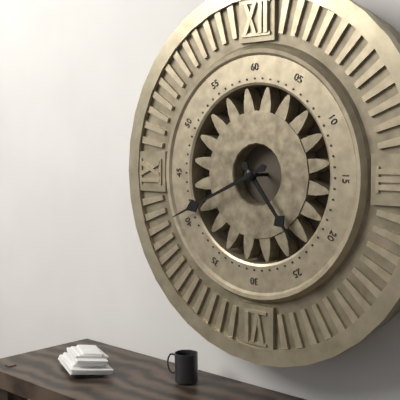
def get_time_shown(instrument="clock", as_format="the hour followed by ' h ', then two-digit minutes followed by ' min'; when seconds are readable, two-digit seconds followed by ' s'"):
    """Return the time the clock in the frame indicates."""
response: 4 h 41 min
